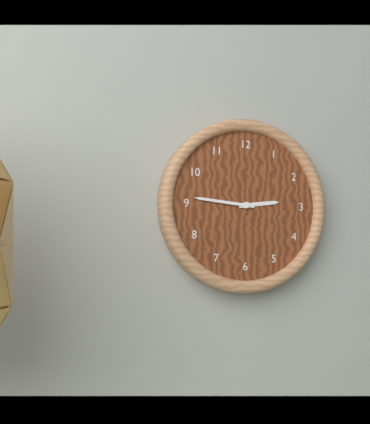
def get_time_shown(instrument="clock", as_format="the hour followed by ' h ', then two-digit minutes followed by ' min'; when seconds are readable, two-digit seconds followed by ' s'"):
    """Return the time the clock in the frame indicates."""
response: 2 h 46 min
